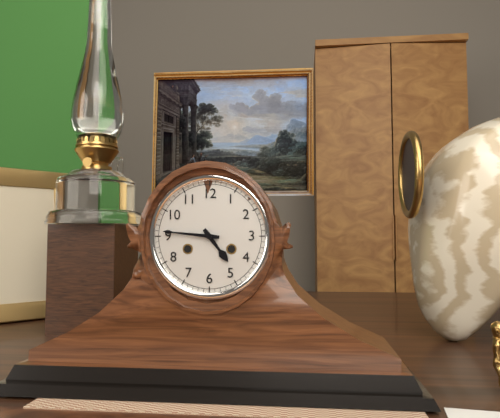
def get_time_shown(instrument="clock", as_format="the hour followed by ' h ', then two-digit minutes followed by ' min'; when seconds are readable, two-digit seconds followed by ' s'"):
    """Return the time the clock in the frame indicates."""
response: 4 h 46 min
